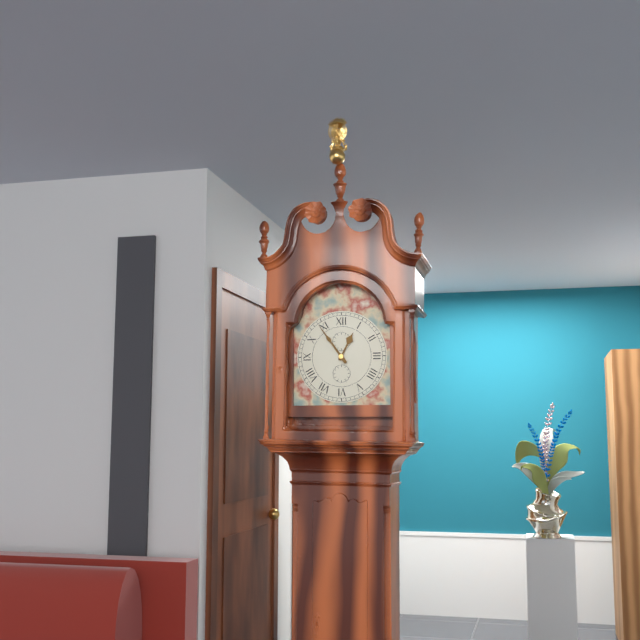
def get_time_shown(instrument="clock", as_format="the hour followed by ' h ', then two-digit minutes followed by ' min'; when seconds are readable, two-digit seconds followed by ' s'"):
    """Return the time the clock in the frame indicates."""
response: 12 h 54 min
